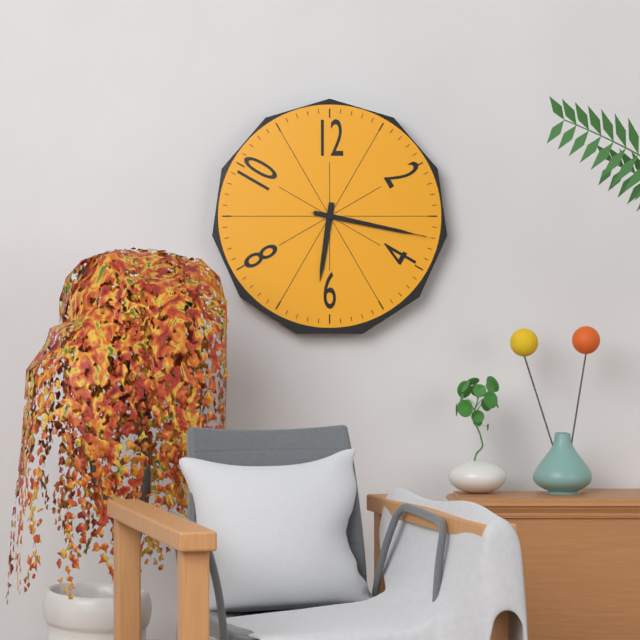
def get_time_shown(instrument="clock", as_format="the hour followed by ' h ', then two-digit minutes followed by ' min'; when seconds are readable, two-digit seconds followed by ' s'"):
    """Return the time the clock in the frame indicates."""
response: 6 h 17 min 17 s
